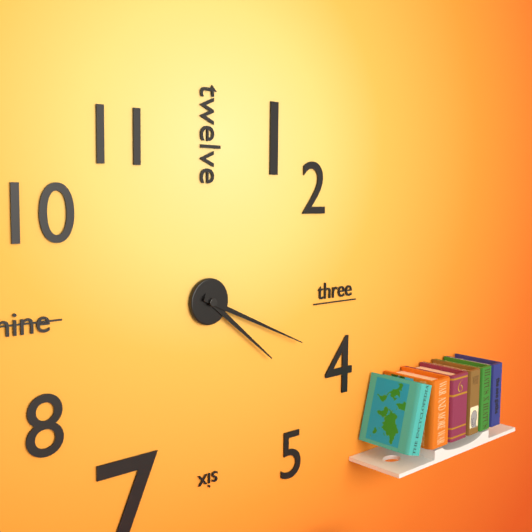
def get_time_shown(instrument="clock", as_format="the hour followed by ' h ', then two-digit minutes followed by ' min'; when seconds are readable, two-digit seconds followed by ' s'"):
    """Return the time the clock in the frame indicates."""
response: 4 h 19 min
